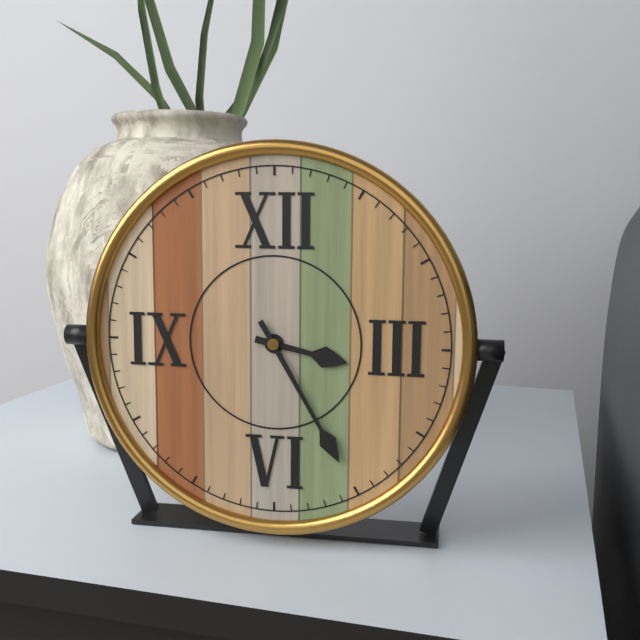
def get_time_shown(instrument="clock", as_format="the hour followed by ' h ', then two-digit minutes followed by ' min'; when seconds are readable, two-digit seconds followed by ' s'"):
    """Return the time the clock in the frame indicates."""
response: 3 h 25 min
